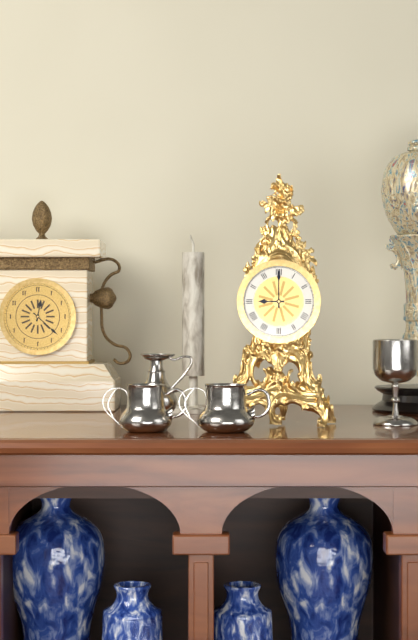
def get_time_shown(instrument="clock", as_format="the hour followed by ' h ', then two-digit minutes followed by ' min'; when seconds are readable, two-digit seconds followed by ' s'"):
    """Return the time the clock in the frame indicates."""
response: 9 h 00 min
